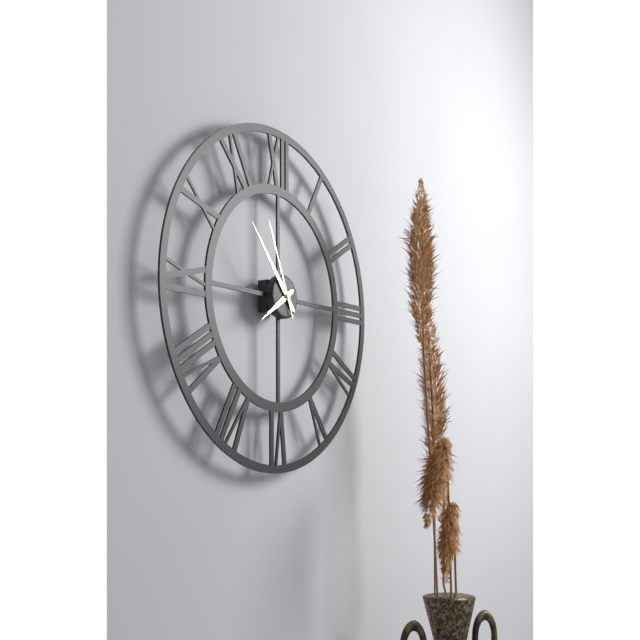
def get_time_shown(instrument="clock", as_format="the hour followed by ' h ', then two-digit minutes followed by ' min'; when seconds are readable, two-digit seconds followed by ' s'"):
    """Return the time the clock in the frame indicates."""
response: 7 h 53 min 56 s
